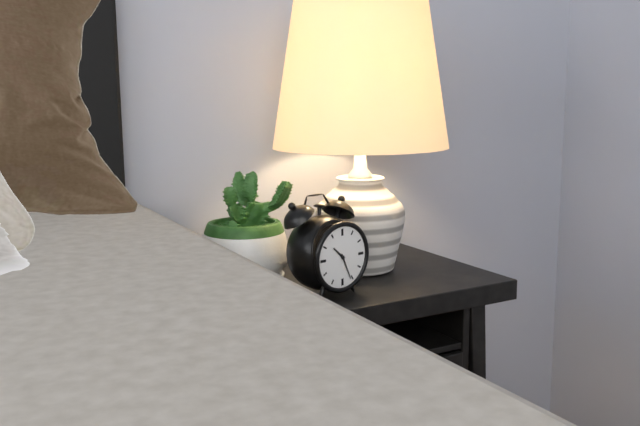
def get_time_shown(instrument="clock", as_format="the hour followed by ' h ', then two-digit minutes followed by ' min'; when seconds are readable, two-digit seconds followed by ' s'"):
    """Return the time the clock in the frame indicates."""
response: 10 h 26 min
